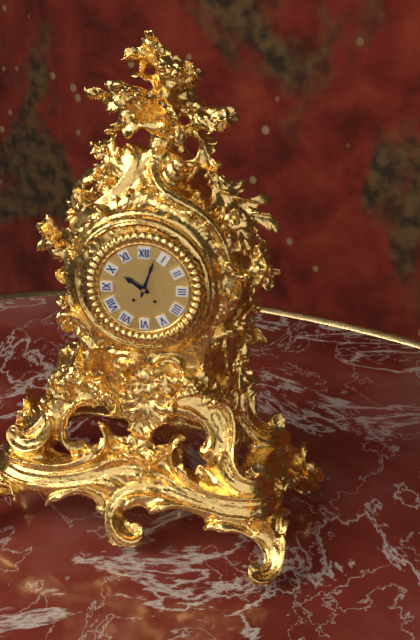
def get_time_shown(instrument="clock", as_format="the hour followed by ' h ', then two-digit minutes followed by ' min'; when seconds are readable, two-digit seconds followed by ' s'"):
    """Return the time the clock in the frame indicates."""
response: 10 h 03 min
